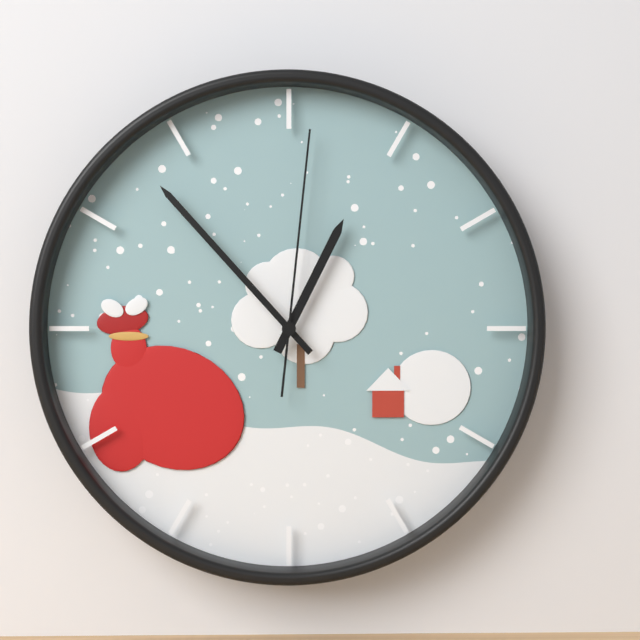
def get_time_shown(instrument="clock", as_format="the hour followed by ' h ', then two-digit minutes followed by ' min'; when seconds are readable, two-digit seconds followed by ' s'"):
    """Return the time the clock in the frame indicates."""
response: 12 h 53 min 01 s
